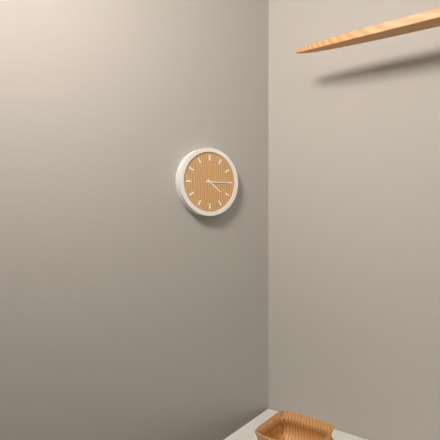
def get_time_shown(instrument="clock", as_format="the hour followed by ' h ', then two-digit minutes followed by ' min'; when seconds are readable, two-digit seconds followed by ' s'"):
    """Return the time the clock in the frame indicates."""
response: 4 h 15 min
